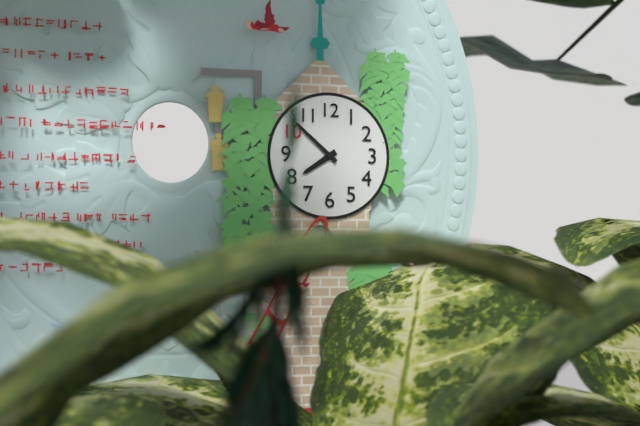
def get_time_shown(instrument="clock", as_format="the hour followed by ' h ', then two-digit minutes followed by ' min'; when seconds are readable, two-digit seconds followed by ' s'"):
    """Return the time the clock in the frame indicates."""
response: 7 h 52 min
